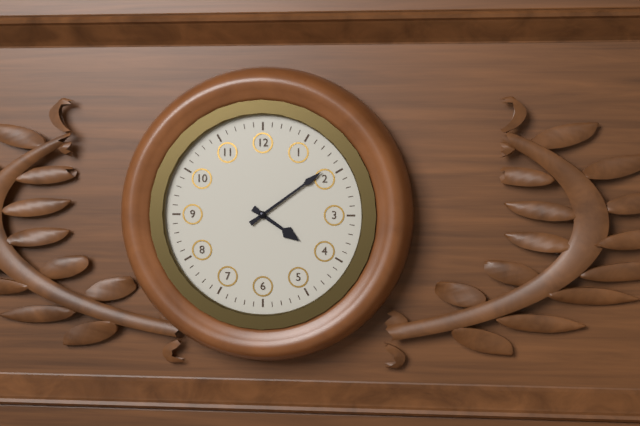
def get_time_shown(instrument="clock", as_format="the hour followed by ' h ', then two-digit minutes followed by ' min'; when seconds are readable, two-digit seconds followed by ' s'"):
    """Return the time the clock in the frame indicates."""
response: 4 h 09 min
